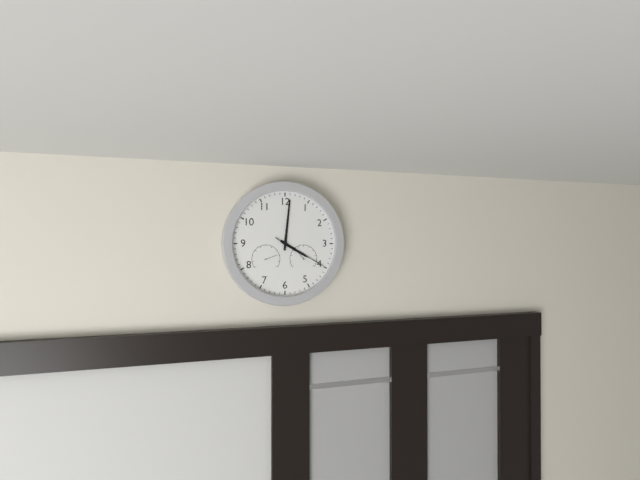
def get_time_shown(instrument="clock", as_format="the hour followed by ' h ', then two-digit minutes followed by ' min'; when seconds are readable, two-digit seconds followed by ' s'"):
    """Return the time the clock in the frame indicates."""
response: 4 h 01 min 20 s
